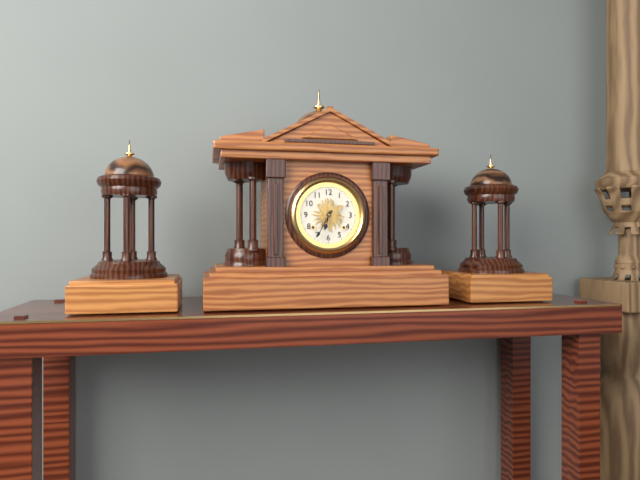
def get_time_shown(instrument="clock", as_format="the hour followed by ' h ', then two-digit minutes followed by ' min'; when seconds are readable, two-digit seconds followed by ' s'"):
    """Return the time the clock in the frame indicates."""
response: 6 h 35 min
